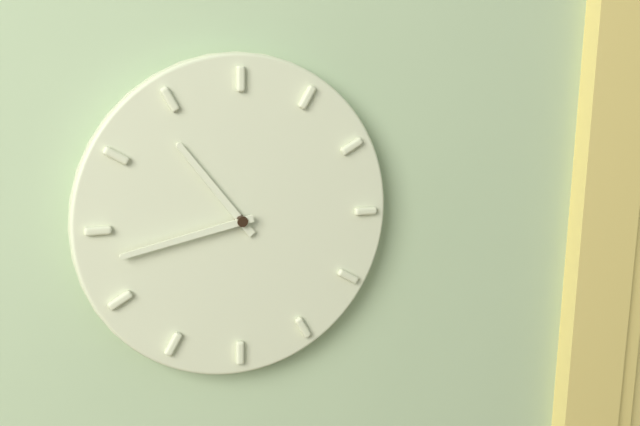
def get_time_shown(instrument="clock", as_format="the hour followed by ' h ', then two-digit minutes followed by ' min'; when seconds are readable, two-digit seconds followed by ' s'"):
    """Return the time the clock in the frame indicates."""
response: 10 h 43 min
